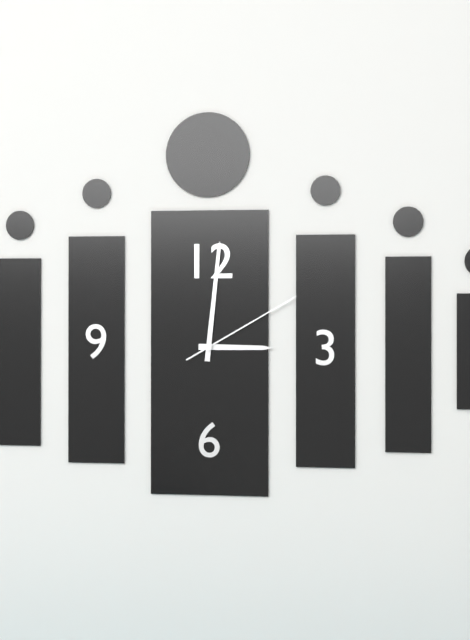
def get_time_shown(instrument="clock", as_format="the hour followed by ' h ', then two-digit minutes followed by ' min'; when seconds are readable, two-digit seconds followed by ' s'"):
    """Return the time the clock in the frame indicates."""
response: 3 h 01 min 10 s
